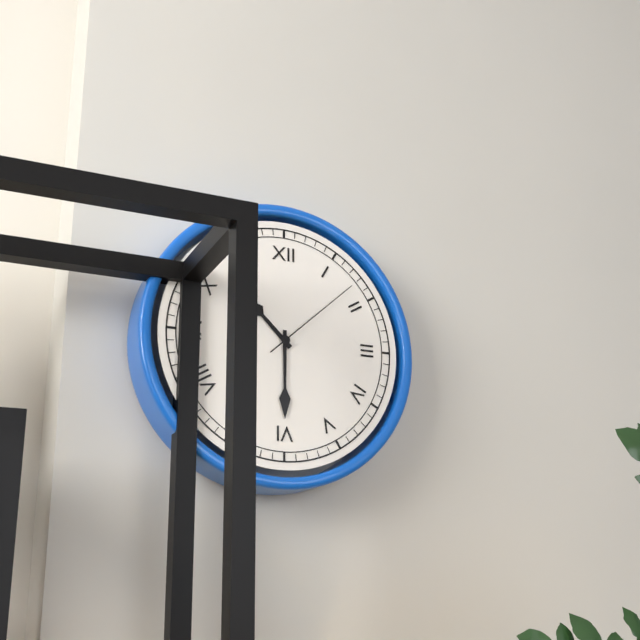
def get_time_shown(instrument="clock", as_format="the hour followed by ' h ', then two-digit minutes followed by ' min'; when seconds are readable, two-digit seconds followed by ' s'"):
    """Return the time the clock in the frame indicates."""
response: 10 h 30 min 08 s
